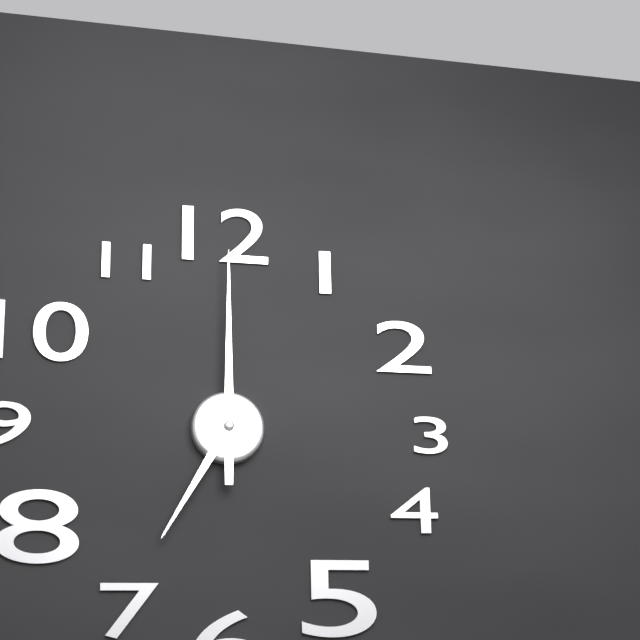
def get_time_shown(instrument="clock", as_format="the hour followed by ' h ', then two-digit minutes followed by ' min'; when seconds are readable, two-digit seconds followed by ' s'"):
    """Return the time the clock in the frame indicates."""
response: 7 h 00 min
